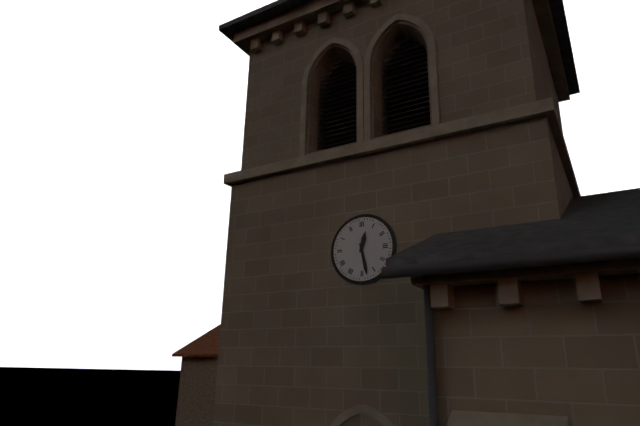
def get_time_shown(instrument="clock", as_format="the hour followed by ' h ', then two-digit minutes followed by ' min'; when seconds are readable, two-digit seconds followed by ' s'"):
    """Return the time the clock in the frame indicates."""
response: 12 h 28 min
